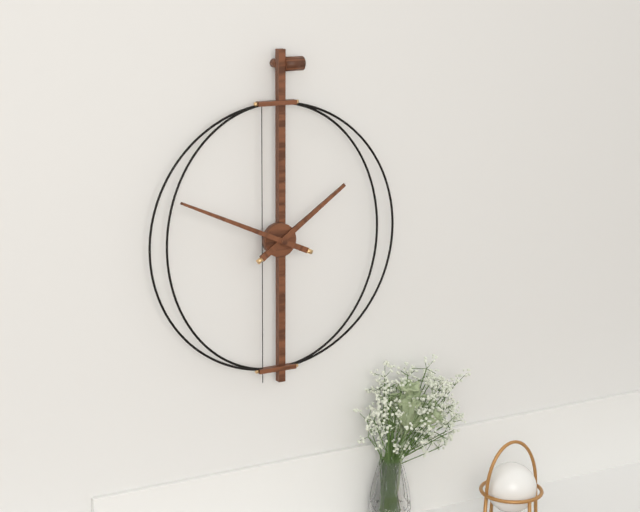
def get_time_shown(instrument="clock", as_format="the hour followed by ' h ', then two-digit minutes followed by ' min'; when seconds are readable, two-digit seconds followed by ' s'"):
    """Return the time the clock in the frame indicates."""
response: 1 h 49 min
